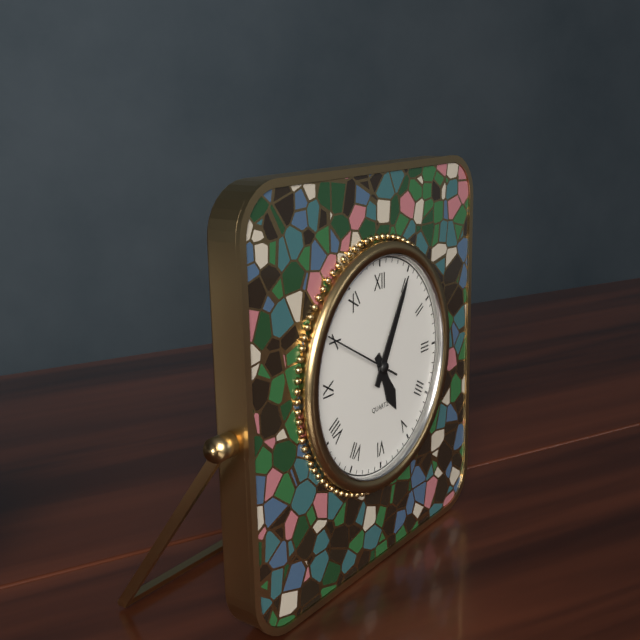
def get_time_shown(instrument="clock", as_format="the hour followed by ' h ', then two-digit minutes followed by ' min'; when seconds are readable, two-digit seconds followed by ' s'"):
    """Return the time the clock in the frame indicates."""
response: 5 h 05 min 50 s
